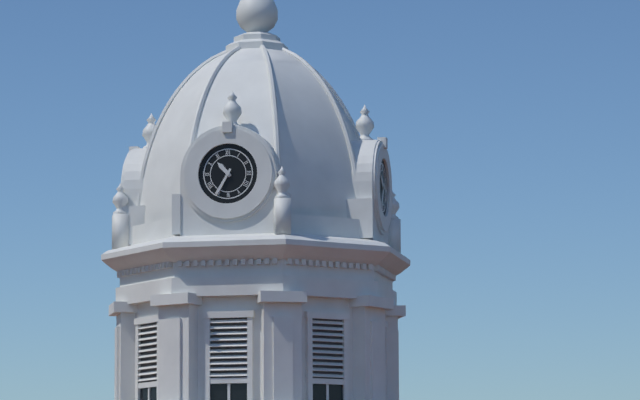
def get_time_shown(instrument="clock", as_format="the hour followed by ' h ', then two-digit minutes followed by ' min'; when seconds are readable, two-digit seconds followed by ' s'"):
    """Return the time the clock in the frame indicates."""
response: 10 h 35 min
